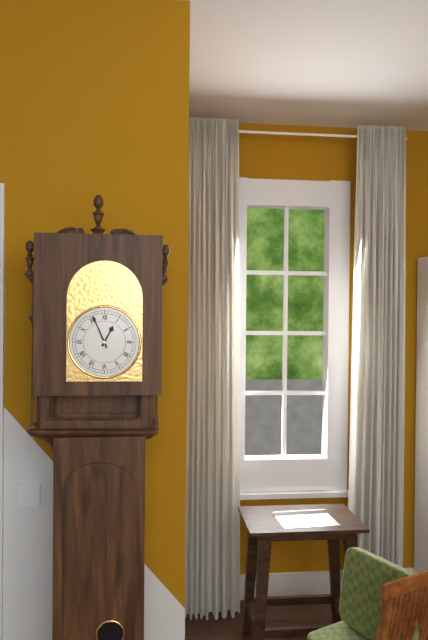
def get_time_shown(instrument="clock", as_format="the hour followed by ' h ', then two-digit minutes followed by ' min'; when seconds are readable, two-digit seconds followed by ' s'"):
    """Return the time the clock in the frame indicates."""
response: 12 h 56 min
